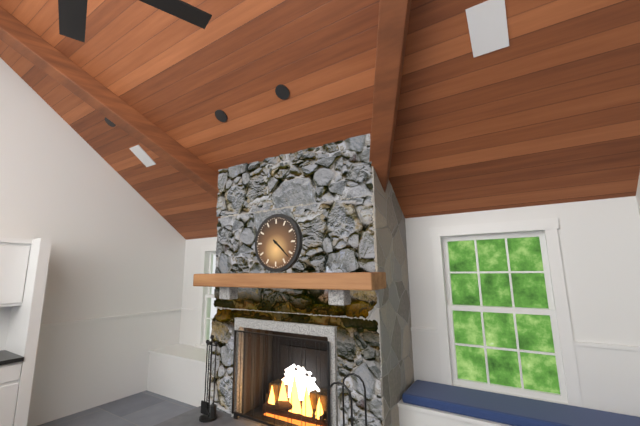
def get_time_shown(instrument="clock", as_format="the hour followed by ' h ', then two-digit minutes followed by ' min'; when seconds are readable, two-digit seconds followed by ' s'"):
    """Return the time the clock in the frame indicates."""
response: 4 h 22 min
